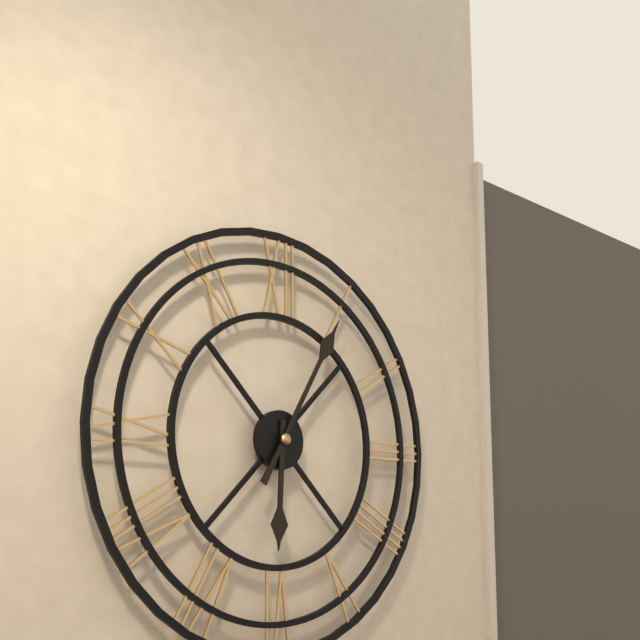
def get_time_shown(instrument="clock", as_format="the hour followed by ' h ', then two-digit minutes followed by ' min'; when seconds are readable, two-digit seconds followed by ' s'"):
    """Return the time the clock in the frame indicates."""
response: 6 h 05 min
